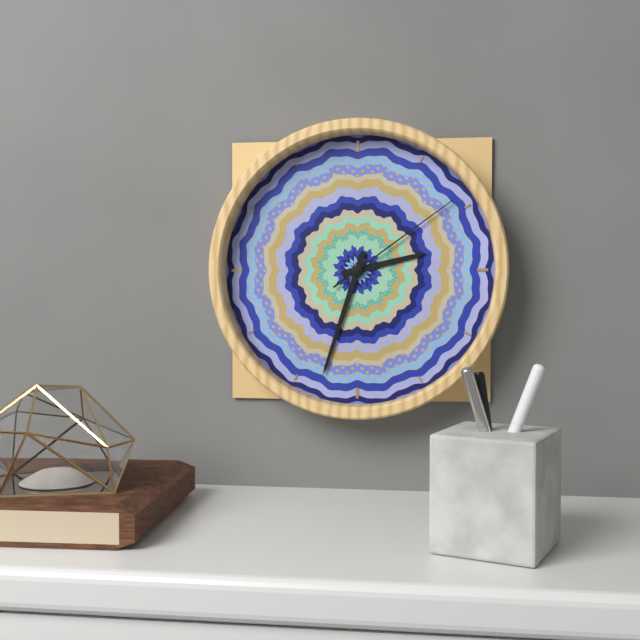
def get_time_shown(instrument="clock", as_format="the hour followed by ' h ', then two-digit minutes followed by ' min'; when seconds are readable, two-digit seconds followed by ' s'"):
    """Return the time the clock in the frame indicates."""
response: 2 h 33 min 09 s
